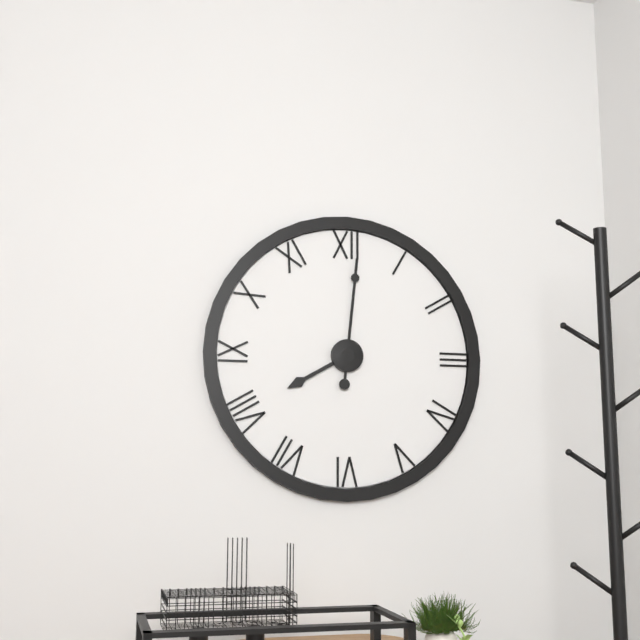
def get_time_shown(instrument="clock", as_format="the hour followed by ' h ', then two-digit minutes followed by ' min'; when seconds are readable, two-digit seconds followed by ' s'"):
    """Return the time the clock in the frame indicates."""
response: 8 h 01 min
